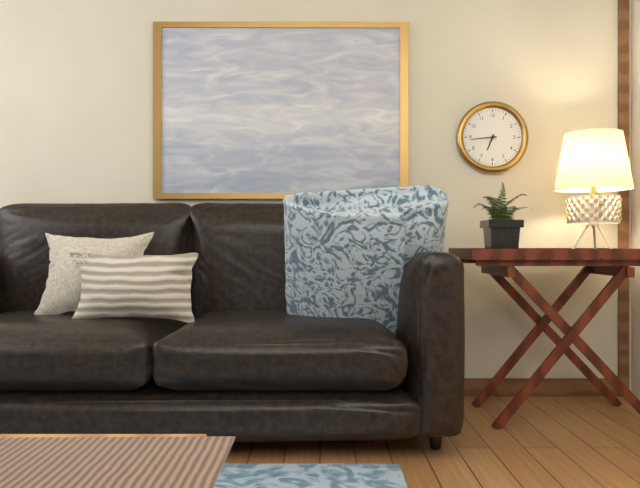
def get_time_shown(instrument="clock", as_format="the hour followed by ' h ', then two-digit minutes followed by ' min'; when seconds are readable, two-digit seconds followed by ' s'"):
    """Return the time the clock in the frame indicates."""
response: 6 h 44 min
